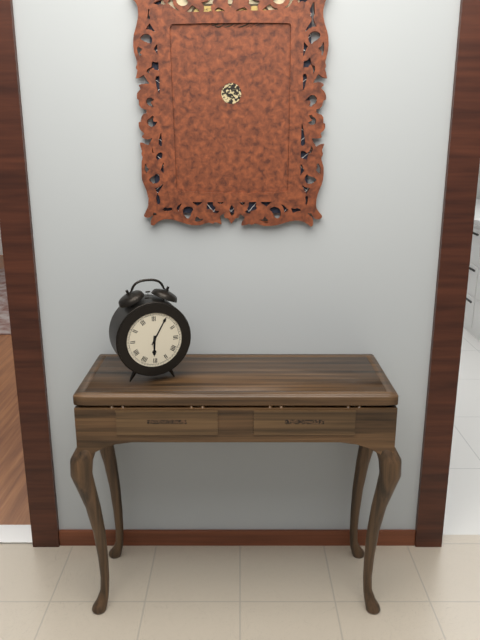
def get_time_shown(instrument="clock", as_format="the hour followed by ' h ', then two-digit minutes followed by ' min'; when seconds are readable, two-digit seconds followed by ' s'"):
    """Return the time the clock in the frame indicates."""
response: 6 h 05 min
